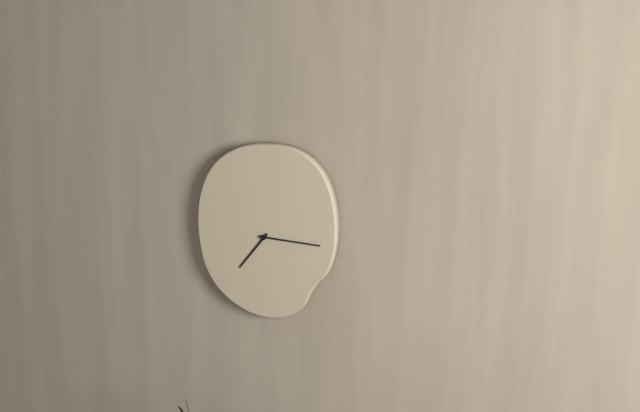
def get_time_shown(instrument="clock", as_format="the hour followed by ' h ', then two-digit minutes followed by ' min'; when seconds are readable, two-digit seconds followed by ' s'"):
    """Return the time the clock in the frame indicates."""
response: 7 h 15 min
